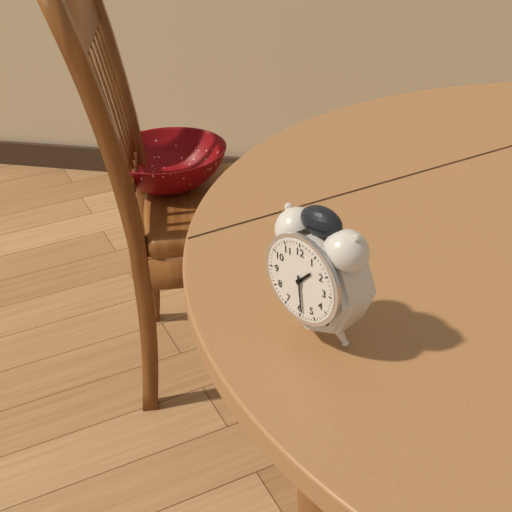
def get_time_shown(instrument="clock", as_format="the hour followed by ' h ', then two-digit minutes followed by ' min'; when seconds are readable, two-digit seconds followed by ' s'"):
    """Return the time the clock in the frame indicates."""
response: 1 h 29 min
